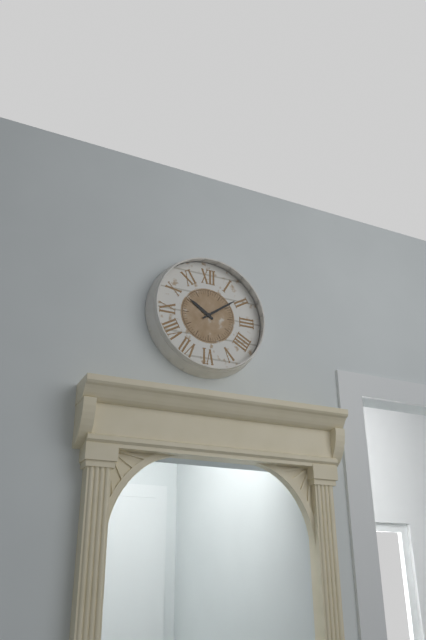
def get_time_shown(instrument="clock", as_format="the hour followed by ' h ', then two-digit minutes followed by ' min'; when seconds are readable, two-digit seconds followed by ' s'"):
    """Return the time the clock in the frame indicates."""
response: 10 h 09 min
